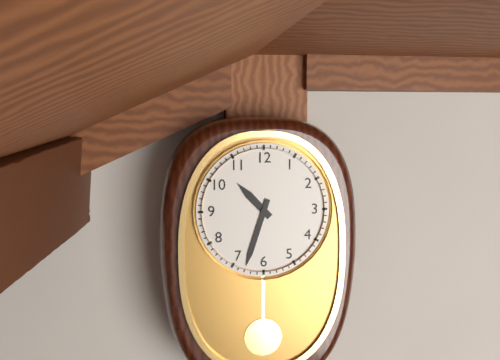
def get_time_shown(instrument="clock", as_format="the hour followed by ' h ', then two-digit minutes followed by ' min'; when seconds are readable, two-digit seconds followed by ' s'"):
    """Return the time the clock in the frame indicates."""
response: 10 h 33 min
